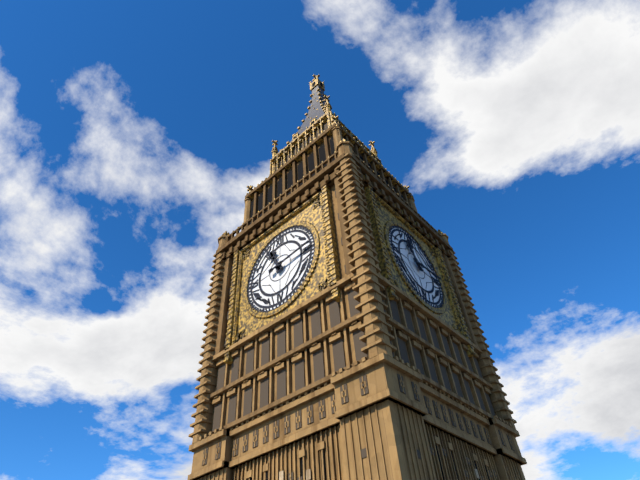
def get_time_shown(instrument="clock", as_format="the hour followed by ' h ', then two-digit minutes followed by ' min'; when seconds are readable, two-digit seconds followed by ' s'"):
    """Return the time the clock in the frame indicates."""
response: 11 h 14 min
